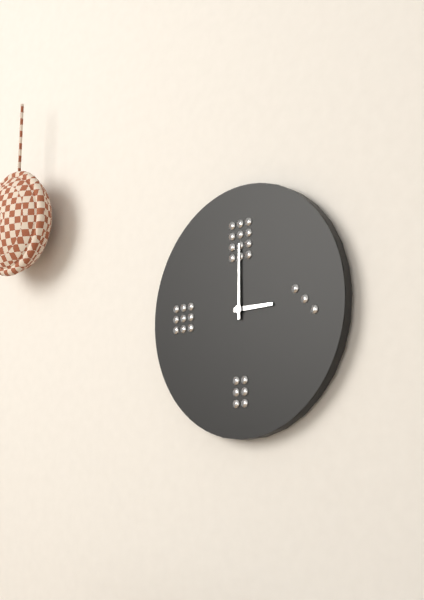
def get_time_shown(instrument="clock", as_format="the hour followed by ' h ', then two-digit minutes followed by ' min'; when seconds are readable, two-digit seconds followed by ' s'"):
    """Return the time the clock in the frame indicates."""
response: 3 h 00 min
